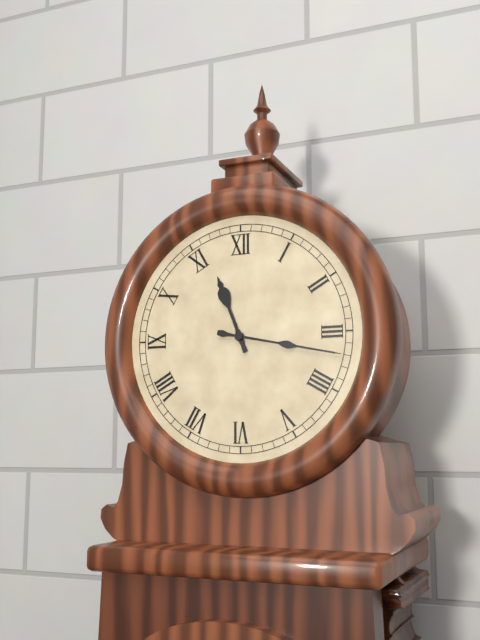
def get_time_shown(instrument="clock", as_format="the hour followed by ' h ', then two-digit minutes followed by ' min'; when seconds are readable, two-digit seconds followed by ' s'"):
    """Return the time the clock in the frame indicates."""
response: 11 h 17 min
